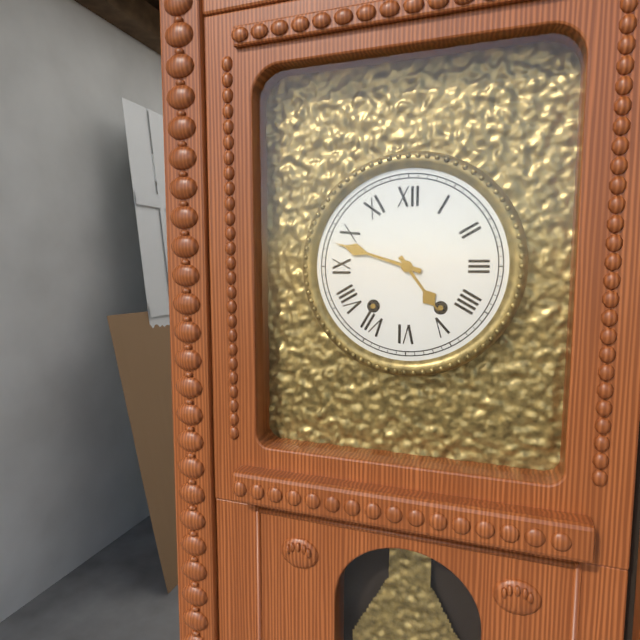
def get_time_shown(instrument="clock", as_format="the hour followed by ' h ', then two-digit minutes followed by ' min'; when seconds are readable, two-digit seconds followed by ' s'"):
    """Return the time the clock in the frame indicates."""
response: 4 h 48 min
